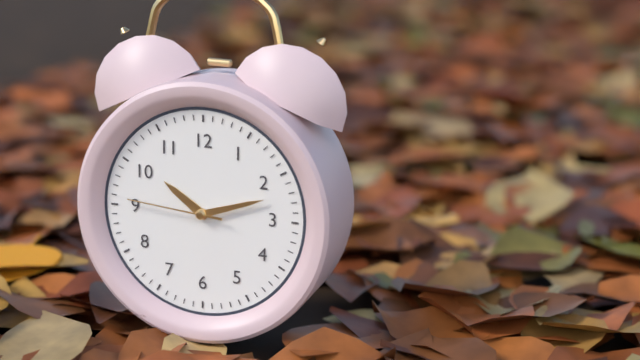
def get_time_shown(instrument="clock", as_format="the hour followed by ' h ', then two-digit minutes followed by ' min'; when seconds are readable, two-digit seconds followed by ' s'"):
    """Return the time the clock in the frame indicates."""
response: 10 h 12 min 46 s
